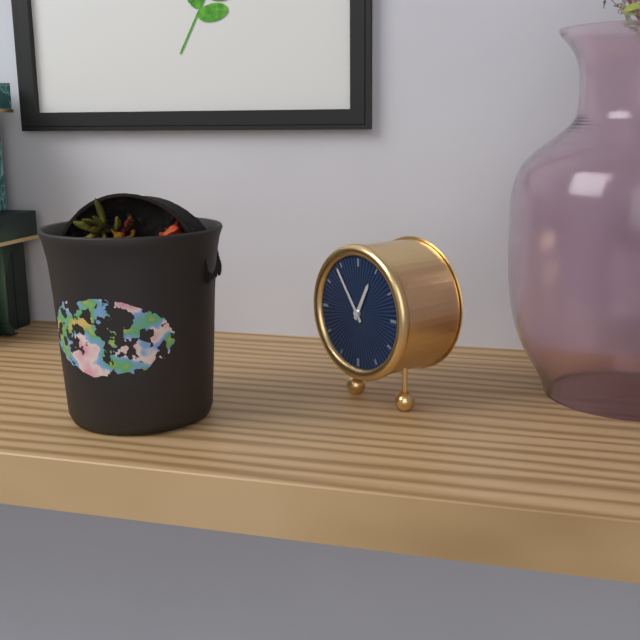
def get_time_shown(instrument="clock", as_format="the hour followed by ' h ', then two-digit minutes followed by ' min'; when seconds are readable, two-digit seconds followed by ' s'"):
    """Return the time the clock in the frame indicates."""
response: 12 h 54 min
